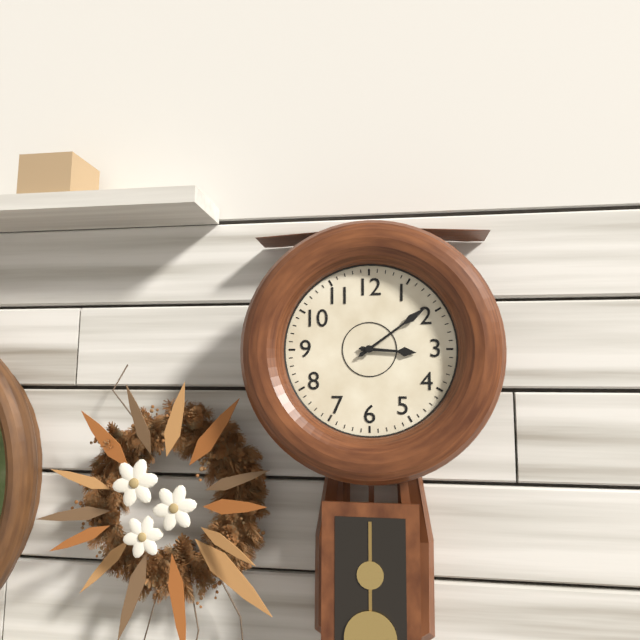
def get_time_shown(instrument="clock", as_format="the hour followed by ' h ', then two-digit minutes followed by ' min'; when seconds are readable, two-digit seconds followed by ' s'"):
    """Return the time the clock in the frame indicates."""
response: 3 h 09 min
